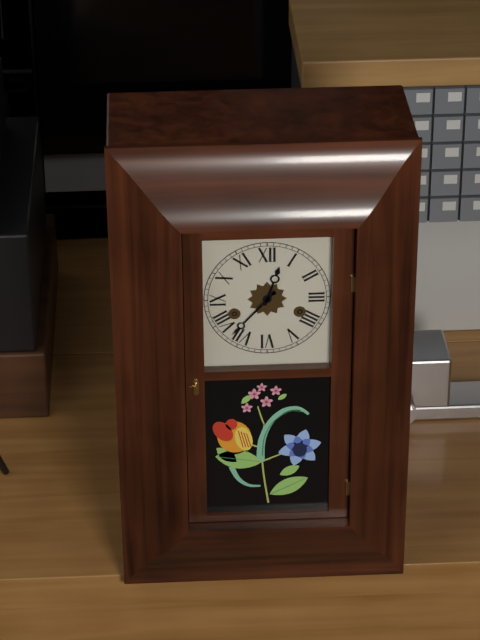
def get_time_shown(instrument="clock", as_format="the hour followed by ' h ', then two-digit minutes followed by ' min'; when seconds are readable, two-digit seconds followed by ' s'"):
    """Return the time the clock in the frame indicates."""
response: 12 h 37 min
